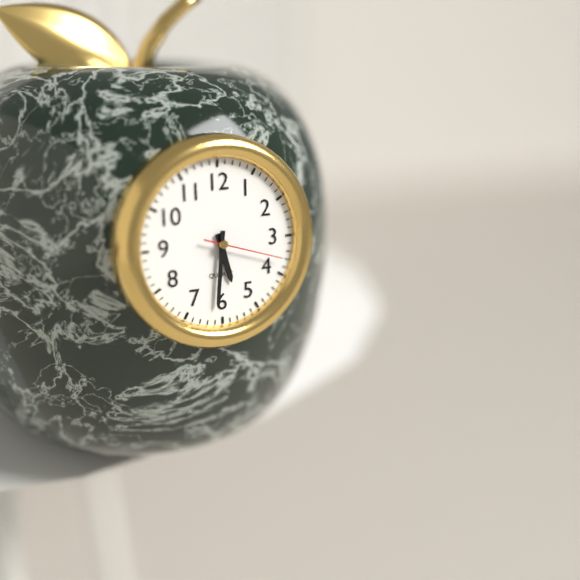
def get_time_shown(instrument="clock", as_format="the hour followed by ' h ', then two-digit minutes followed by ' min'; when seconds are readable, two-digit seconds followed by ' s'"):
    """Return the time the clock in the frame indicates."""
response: 5 h 31 min 18 s
